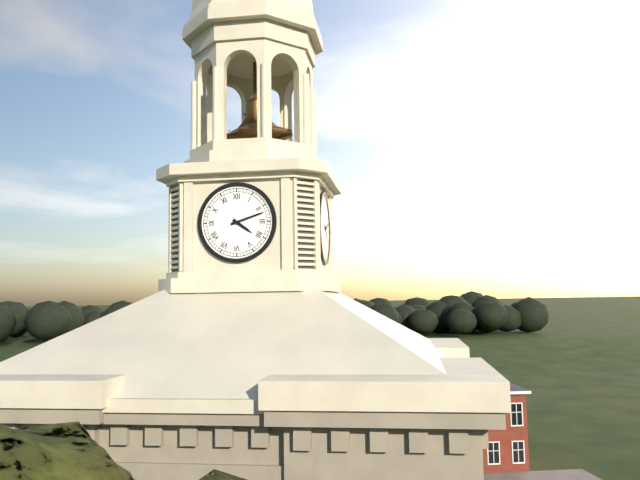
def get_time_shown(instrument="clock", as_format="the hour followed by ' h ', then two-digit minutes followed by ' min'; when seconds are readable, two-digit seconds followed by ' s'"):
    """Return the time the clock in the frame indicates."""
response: 4 h 12 min
